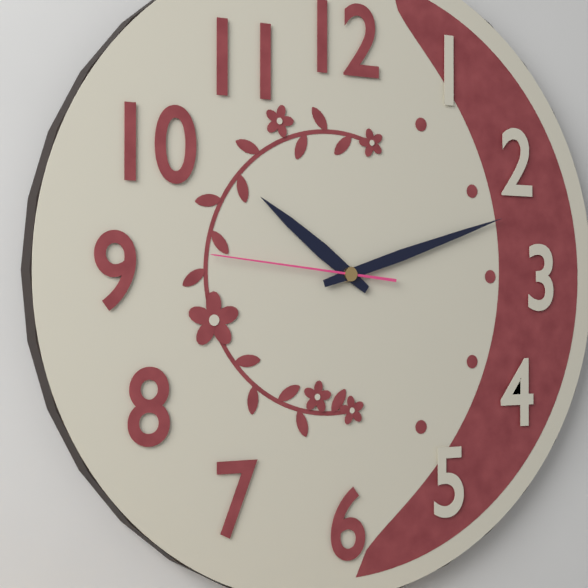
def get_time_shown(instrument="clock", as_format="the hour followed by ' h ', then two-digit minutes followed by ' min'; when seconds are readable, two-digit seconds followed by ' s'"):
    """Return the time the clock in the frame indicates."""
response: 10 h 12 min 46 s
